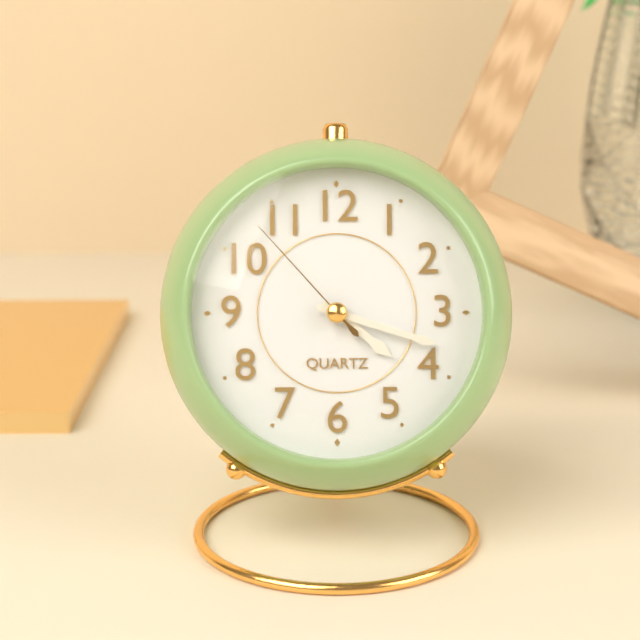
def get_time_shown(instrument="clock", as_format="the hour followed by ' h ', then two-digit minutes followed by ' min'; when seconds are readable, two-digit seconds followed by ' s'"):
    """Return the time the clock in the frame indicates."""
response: 4 h 18 min 53 s
